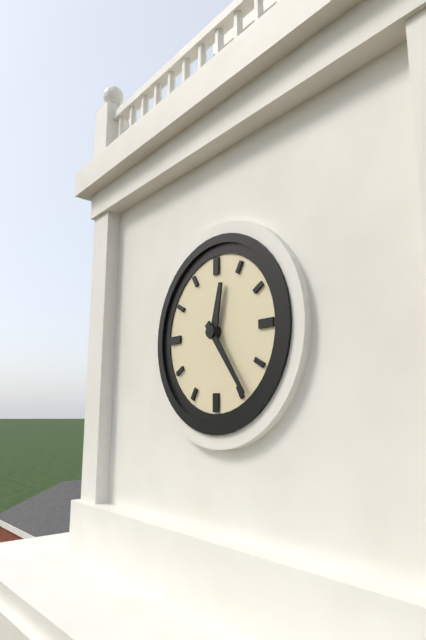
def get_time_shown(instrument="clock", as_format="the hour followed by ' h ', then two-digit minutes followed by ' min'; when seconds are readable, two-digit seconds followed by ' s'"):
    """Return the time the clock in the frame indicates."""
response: 12 h 24 min
